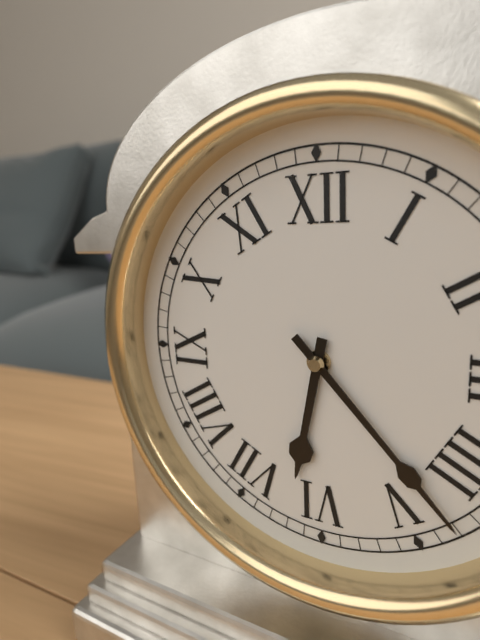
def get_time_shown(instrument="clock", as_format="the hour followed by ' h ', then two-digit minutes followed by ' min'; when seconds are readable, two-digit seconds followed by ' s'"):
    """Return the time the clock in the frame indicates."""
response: 6 h 23 min
